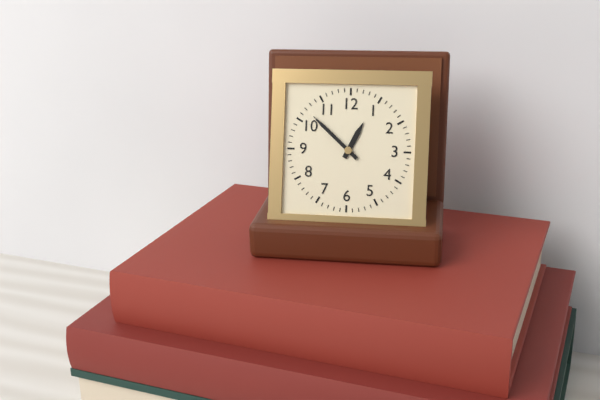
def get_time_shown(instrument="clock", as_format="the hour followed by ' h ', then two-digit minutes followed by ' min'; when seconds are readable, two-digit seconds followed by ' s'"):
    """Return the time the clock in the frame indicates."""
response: 12 h 52 min
